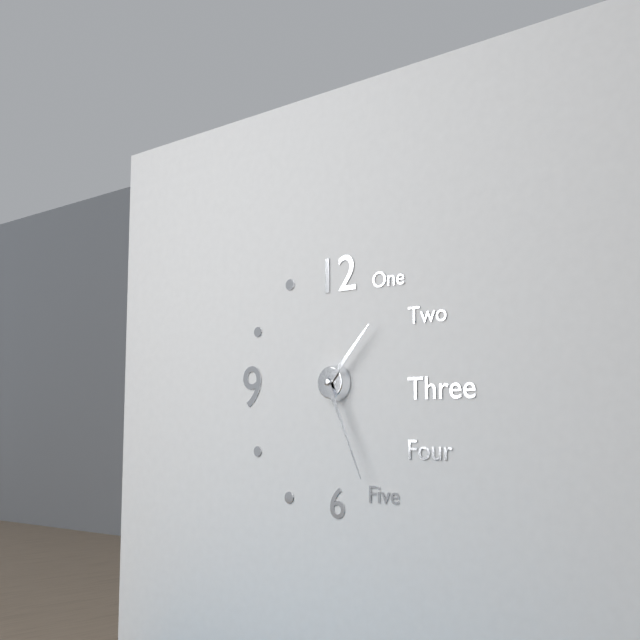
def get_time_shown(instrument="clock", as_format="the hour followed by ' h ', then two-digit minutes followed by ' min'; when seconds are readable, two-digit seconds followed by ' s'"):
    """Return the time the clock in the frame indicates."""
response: 1 h 26 min
